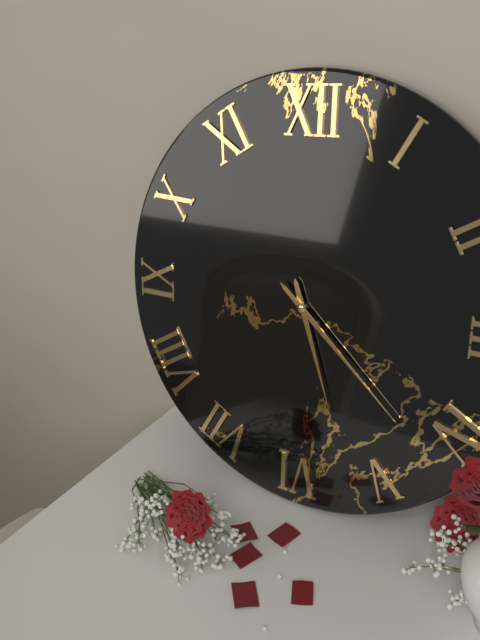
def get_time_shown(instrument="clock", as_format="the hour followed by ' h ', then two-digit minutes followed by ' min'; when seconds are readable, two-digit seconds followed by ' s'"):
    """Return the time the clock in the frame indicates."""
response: 5 h 22 min
